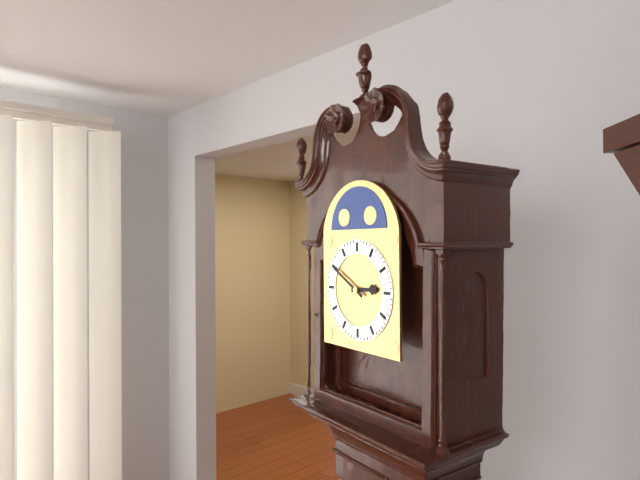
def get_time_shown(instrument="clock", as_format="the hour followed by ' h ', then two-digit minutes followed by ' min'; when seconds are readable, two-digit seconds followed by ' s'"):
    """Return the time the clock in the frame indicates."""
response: 2 h 50 min
